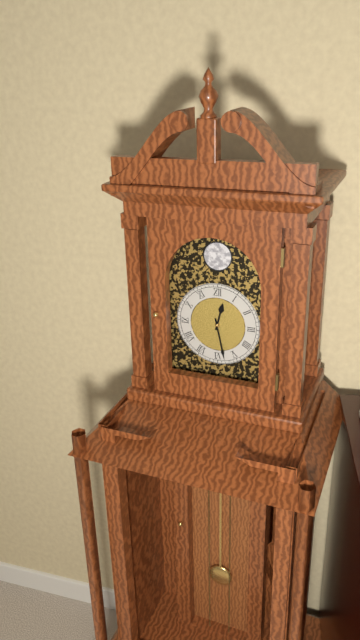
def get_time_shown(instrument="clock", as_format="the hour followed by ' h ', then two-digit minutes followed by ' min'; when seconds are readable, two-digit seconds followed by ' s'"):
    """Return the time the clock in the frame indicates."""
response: 12 h 28 min
